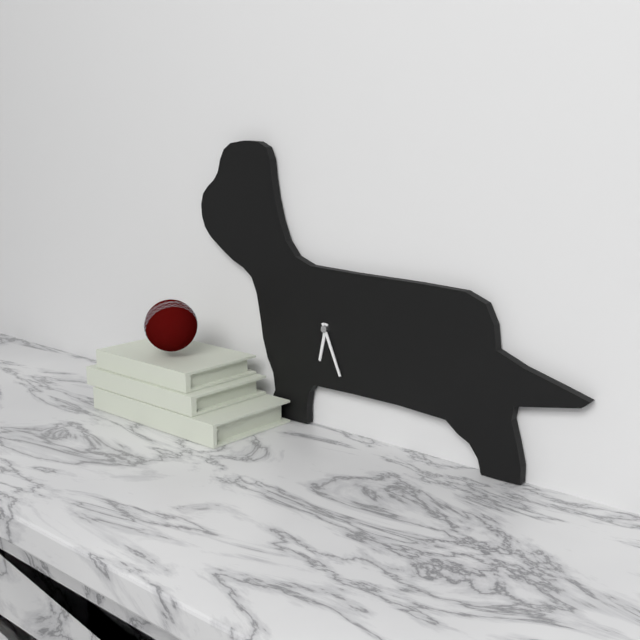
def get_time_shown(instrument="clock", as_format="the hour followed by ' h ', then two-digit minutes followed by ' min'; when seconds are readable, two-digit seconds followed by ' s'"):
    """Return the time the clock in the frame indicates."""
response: 6 h 26 min
